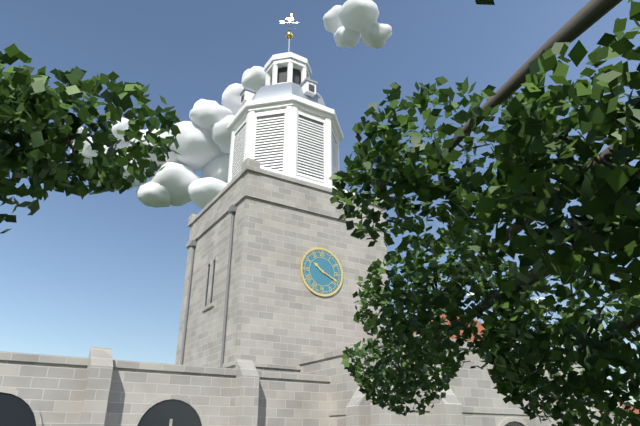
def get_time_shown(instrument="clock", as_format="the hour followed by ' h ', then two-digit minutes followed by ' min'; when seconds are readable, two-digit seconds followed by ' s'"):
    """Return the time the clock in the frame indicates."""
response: 10 h 19 min
